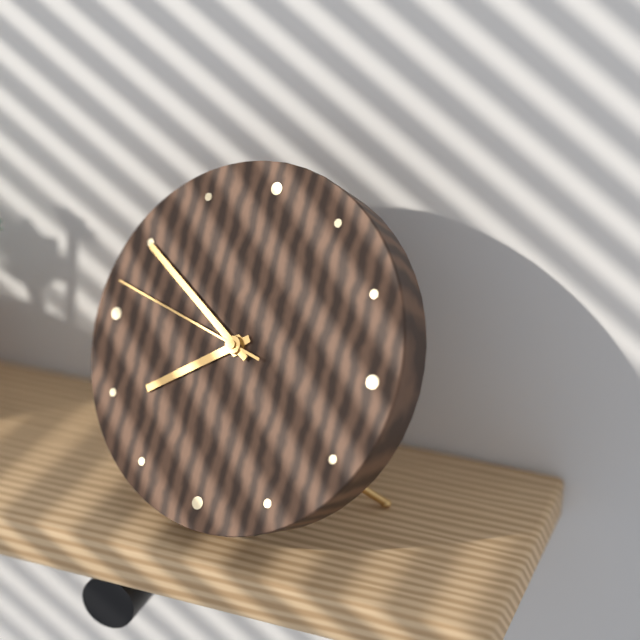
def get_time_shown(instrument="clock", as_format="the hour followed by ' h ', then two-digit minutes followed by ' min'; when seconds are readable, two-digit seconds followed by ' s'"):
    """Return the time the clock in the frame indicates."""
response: 7 h 50 min 47 s
